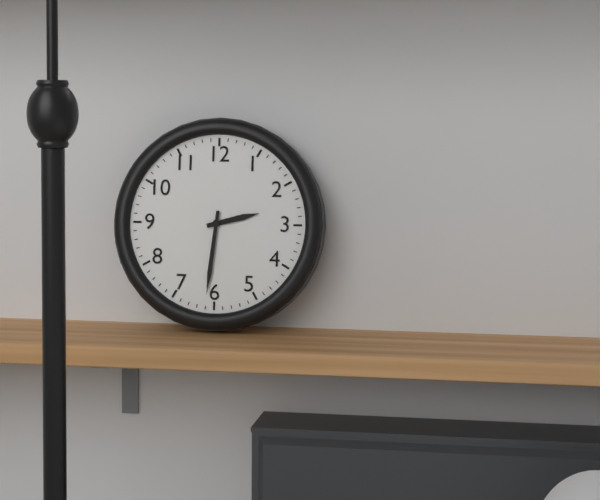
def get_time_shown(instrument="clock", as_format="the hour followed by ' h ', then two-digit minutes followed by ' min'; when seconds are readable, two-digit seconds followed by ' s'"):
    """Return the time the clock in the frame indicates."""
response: 2 h 31 min
